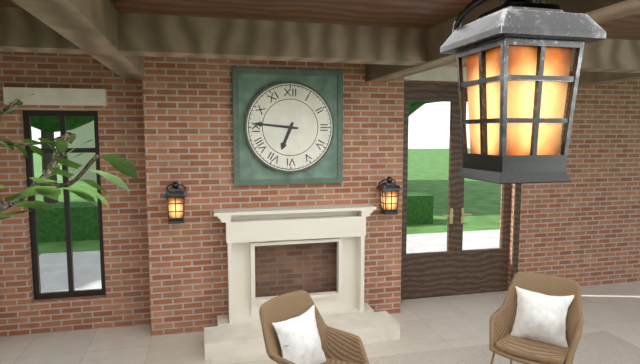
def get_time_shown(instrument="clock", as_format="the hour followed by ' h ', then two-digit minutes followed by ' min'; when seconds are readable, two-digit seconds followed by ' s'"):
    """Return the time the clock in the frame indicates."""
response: 6 h 46 min
